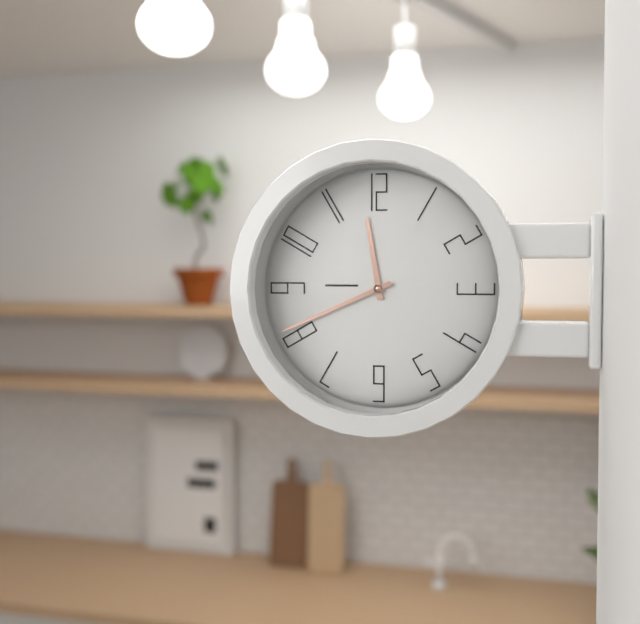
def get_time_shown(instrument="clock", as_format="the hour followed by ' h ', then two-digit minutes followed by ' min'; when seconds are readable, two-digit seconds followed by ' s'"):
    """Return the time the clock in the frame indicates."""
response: 11 h 41 min
